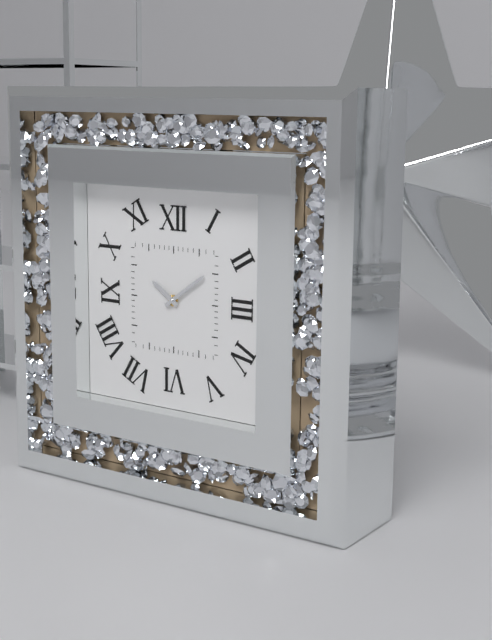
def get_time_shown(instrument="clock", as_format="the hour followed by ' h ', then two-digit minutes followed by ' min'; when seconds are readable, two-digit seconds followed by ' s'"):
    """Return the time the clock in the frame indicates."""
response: 10 h 09 min
